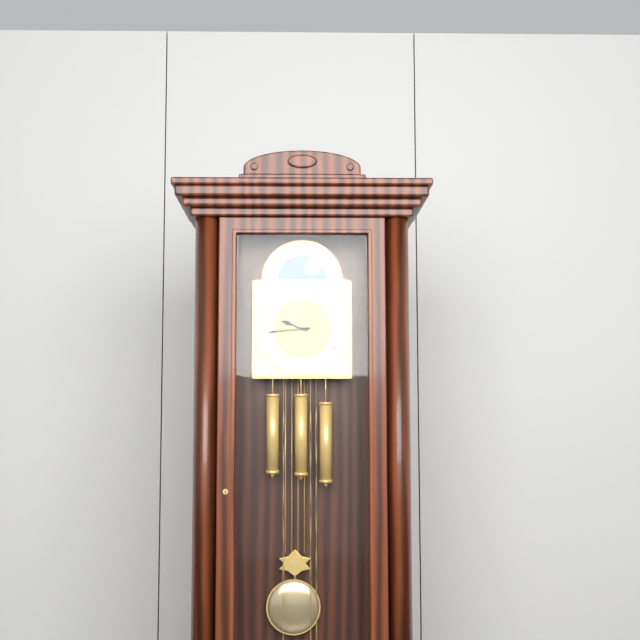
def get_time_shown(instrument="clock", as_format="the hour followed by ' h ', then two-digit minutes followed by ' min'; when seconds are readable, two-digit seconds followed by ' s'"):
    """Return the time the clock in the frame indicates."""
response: 9 h 44 min
